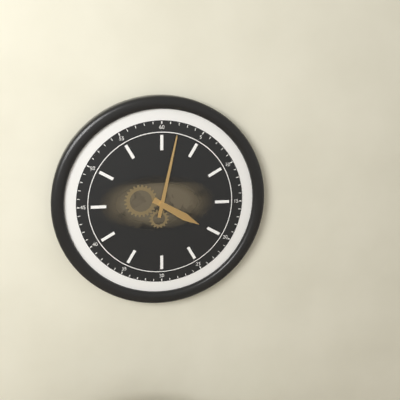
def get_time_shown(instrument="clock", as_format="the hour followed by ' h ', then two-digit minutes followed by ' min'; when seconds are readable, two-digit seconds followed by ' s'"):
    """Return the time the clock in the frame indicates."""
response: 4 h 02 min
